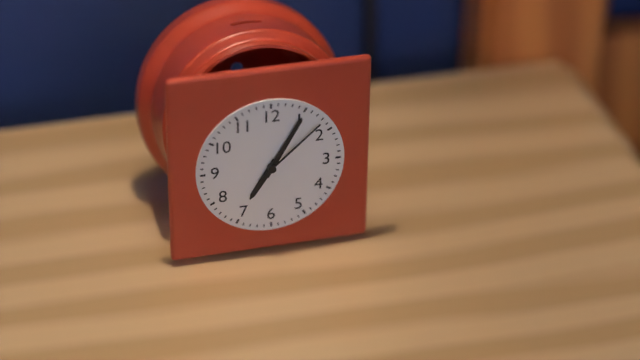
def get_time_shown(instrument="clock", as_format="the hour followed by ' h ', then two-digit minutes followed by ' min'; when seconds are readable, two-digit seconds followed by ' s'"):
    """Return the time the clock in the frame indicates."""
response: 7 h 05 min 08 s
